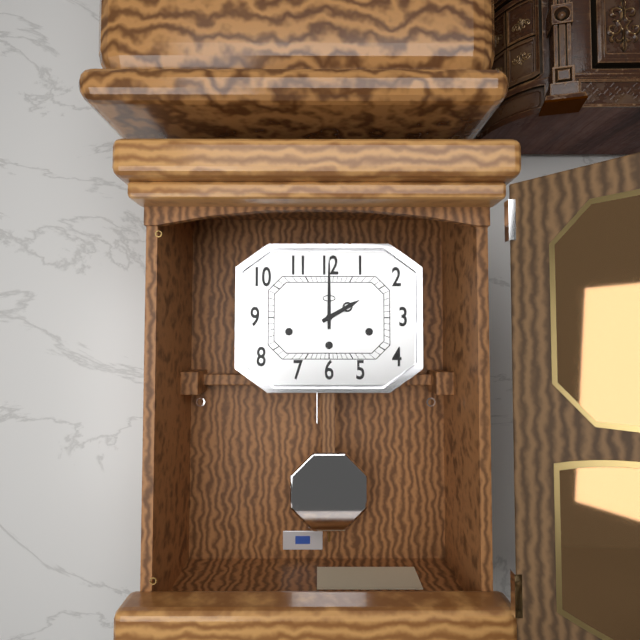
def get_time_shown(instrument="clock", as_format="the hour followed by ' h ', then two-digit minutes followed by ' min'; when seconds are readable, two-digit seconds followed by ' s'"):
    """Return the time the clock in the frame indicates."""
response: 2 h 00 min
